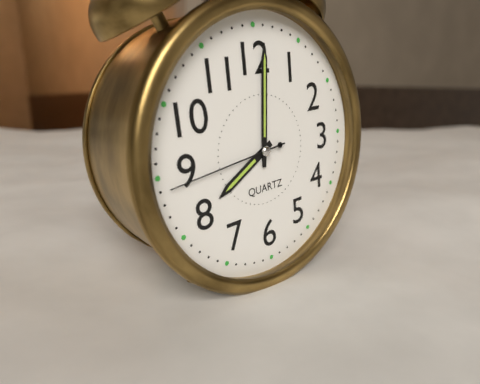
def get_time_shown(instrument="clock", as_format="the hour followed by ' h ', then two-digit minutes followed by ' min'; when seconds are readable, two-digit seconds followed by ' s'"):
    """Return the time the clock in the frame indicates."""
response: 8 h 01 min 44 s
